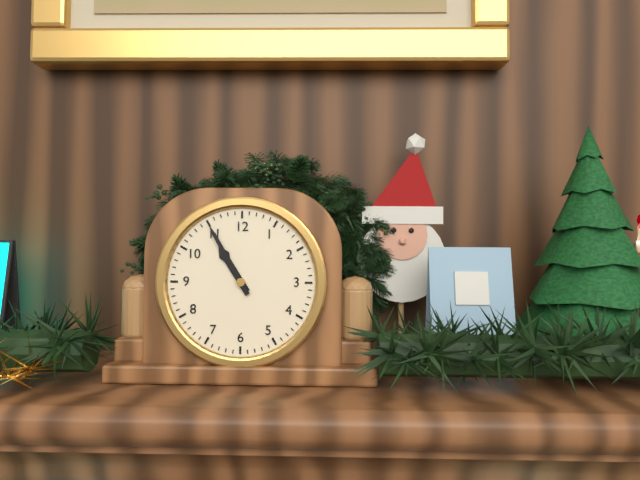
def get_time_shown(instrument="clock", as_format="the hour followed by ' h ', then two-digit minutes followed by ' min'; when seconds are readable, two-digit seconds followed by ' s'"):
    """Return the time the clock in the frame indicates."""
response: 10 h 55 min
